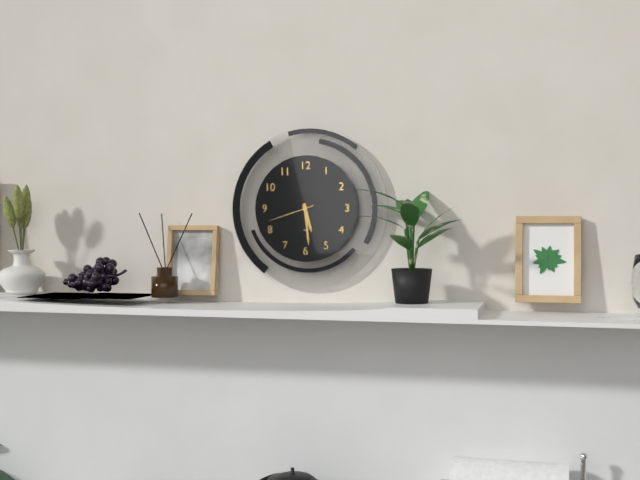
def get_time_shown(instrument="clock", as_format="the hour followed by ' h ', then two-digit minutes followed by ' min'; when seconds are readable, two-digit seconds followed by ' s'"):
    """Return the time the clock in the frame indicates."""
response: 5 h 29 min
